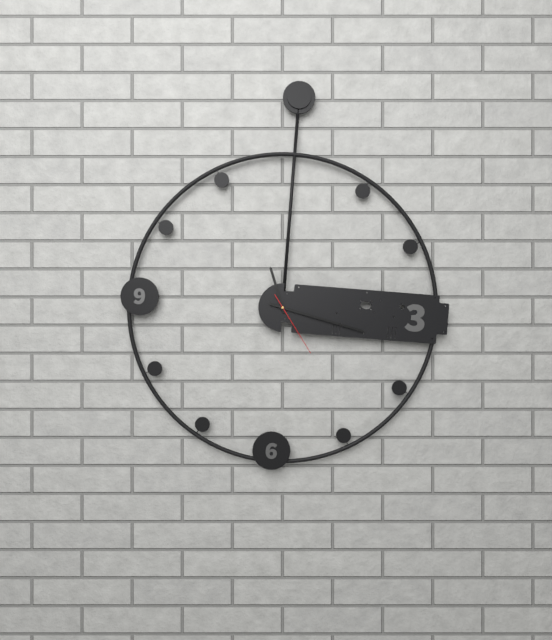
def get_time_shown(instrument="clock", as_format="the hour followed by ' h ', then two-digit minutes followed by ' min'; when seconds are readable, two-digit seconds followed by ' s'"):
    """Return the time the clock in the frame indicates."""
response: 11 h 17 min 24 s
